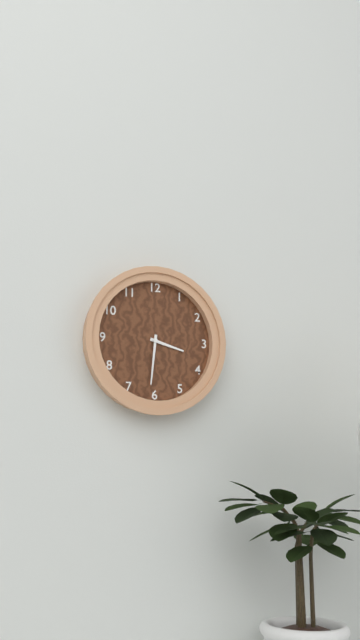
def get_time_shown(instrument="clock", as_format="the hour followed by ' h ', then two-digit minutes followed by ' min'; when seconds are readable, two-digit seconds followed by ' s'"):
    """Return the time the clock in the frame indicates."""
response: 3 h 31 min
